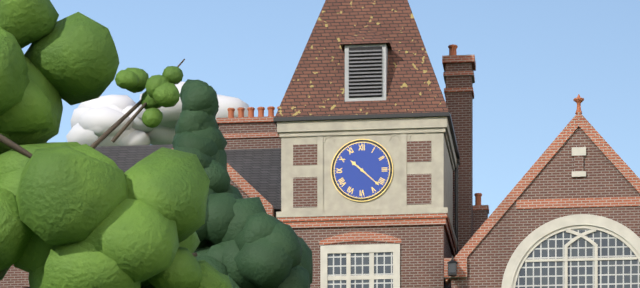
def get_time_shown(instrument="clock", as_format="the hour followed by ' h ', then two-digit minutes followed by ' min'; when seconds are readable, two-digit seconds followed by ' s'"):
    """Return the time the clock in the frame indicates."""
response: 10 h 22 min
